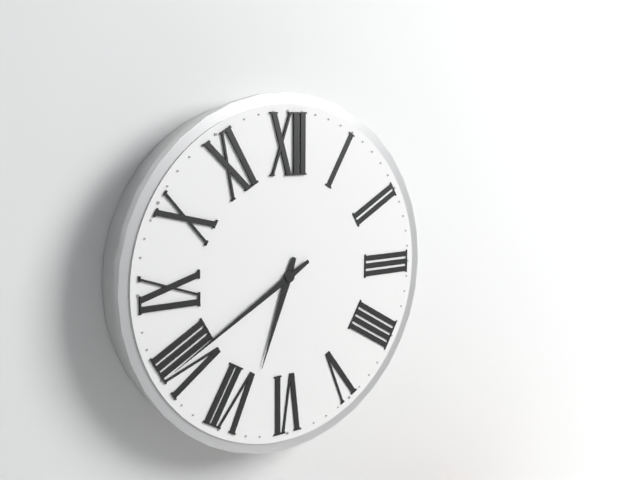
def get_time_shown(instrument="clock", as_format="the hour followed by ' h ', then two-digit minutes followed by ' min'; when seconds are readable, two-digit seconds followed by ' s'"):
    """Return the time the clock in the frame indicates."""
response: 6 h 40 min
